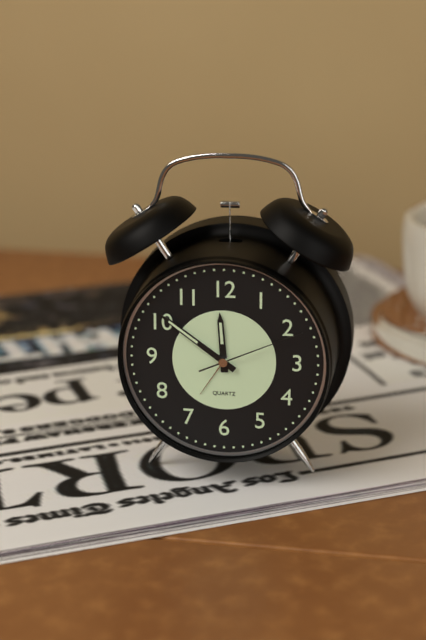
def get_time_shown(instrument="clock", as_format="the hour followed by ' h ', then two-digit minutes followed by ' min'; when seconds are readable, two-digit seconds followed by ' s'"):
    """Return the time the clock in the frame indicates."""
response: 11 h 51 min 11 s
